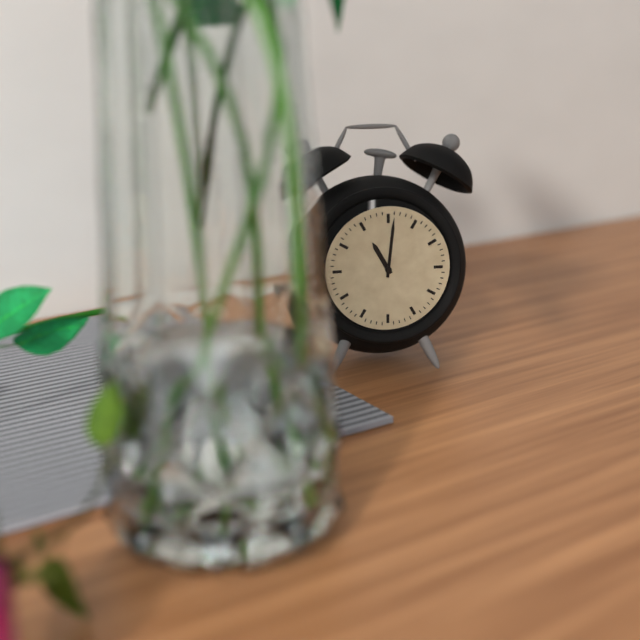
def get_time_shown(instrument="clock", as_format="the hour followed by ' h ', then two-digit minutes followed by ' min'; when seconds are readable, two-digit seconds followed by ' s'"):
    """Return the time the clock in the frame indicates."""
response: 11 h 01 min
